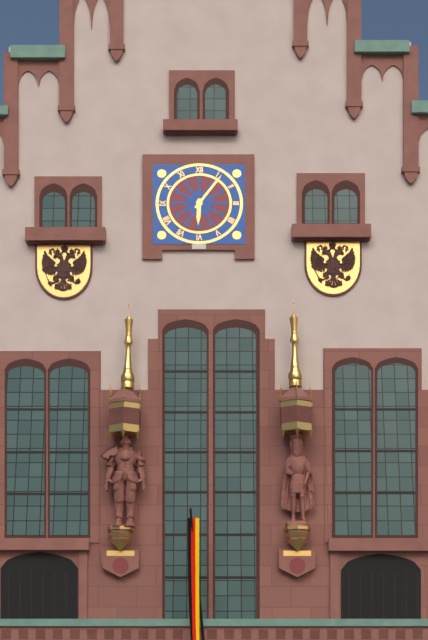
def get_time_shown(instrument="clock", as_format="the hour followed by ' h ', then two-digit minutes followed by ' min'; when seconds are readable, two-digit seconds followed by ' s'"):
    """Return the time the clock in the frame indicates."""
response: 6 h 06 min
